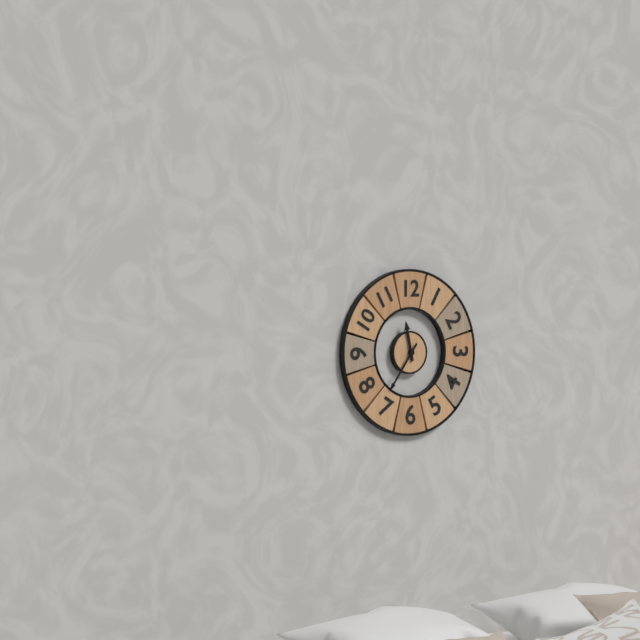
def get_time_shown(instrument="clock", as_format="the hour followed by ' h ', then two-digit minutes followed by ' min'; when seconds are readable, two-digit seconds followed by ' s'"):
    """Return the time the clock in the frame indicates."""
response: 11 h 36 min
